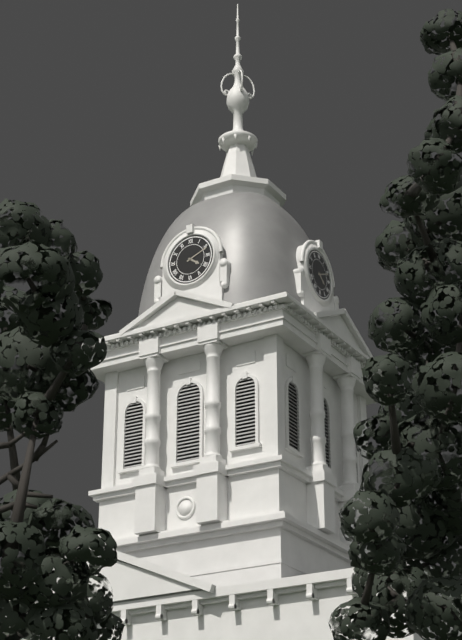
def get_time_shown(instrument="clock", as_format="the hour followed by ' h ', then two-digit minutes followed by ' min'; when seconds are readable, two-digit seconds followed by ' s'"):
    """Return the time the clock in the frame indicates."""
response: 4 h 11 min
